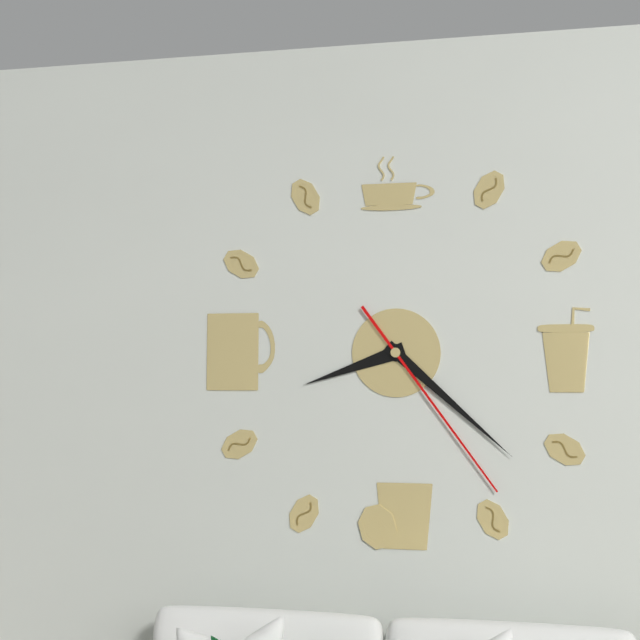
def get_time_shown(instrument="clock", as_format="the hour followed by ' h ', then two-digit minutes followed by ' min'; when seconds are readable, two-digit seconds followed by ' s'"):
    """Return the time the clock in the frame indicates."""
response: 8 h 22 min 24 s
